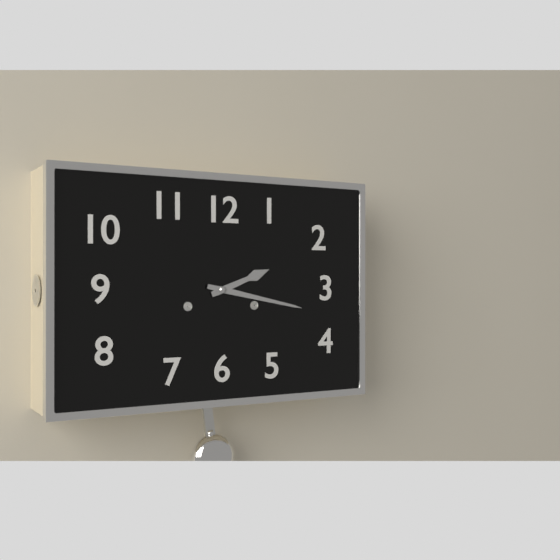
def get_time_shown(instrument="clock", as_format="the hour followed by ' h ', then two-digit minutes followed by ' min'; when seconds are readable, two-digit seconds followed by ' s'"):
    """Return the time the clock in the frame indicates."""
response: 2 h 17 min
